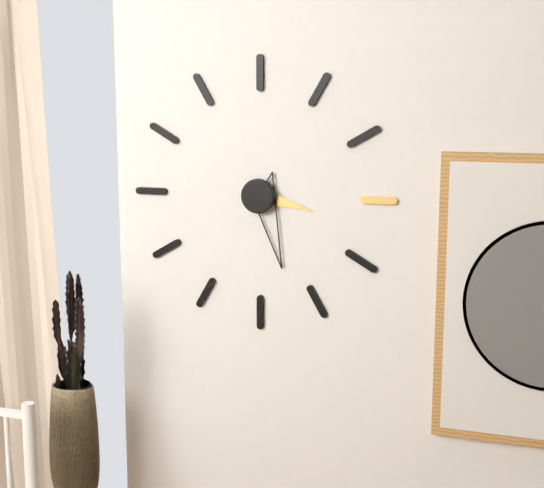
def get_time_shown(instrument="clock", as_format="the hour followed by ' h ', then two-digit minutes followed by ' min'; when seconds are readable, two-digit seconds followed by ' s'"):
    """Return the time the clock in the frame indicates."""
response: 3 h 27 min
